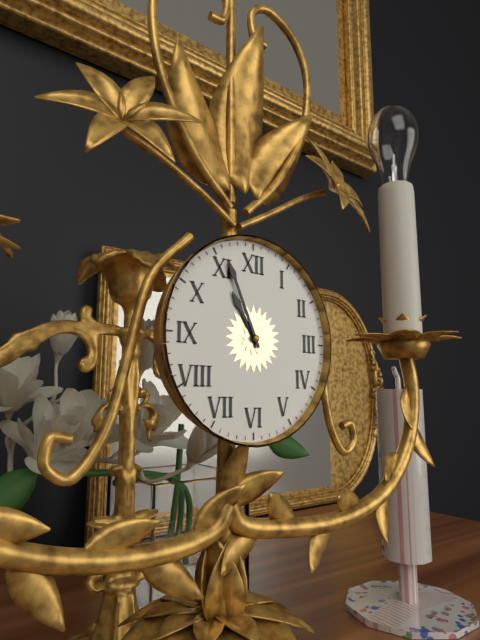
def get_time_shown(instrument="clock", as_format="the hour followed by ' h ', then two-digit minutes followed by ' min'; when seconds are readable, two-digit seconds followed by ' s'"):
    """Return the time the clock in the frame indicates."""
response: 10 h 56 min
